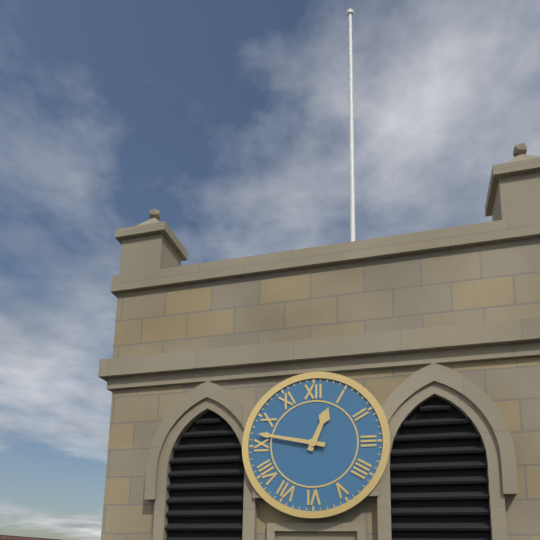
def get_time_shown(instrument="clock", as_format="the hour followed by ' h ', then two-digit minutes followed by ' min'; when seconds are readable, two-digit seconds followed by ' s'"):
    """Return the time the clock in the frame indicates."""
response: 12 h 47 min
